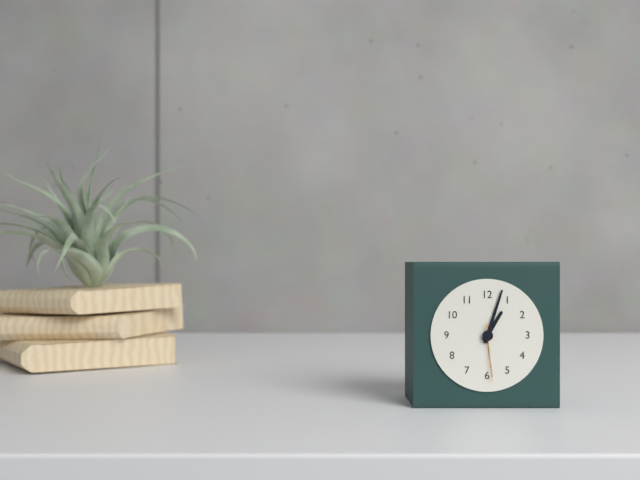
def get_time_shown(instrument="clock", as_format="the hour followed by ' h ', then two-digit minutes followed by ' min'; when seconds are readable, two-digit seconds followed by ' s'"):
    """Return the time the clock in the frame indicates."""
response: 1 h 03 min 29 s
